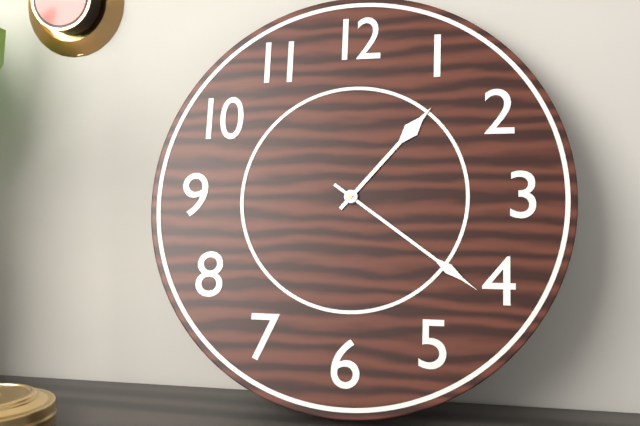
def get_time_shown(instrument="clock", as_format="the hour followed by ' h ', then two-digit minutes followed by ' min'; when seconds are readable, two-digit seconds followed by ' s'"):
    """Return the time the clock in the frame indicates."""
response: 1 h 21 min
